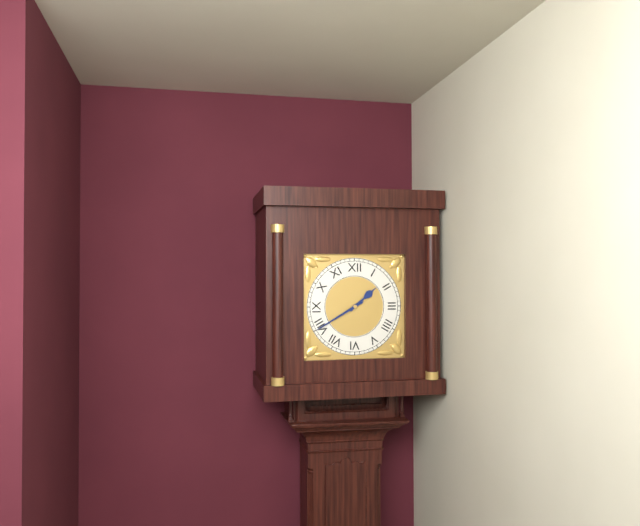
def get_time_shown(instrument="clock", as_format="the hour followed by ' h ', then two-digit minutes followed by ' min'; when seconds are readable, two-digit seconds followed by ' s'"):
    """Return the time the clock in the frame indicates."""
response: 1 h 40 min
